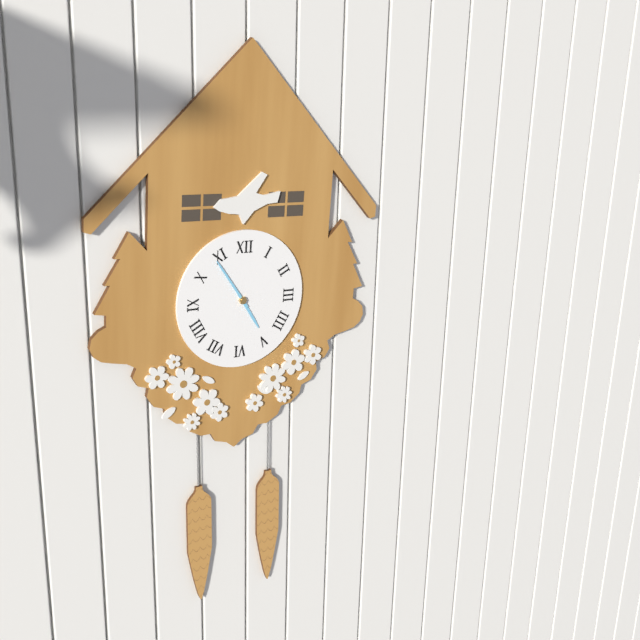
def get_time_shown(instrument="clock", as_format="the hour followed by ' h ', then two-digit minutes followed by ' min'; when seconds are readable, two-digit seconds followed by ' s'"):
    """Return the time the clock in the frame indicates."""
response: 4 h 54 min
